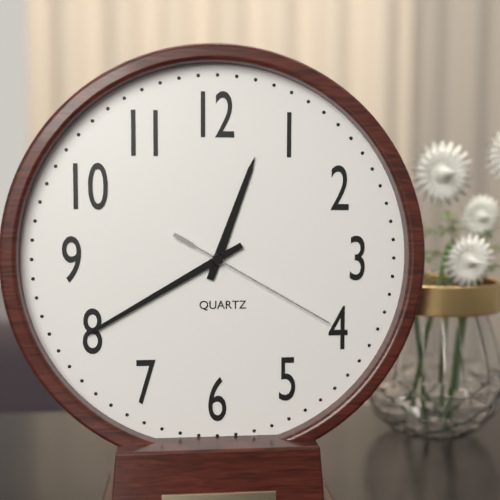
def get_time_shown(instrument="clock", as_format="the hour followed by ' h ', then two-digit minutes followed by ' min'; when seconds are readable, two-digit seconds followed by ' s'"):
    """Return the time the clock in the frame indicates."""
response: 12 h 40 min 20 s
